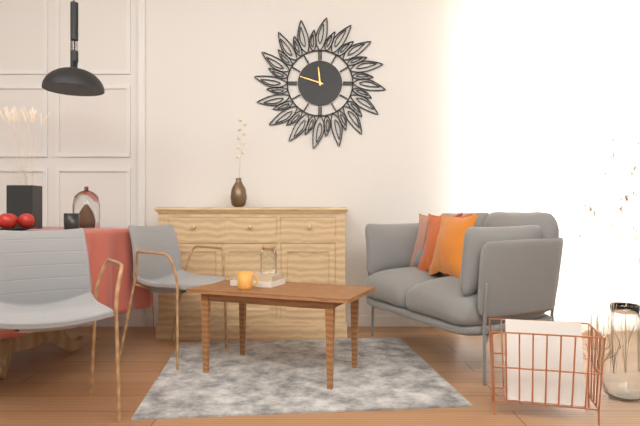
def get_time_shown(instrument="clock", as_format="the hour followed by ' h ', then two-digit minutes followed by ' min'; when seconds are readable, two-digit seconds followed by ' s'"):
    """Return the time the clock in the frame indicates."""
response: 11 h 48 min
